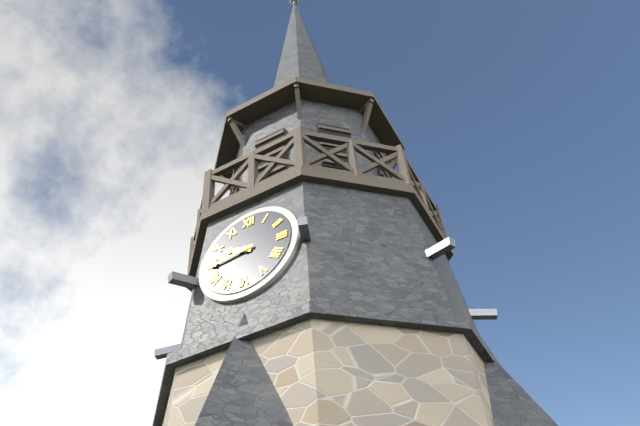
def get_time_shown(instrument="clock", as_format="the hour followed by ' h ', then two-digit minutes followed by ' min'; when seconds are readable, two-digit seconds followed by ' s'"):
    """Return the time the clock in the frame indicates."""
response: 9 h 44 min
